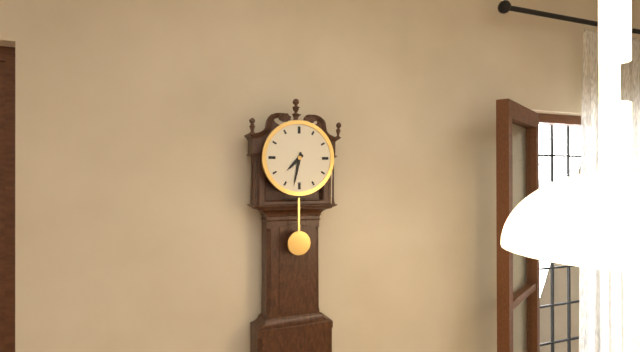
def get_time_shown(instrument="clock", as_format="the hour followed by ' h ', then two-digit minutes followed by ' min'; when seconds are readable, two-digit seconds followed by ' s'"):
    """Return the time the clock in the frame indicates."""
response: 7 h 32 min
